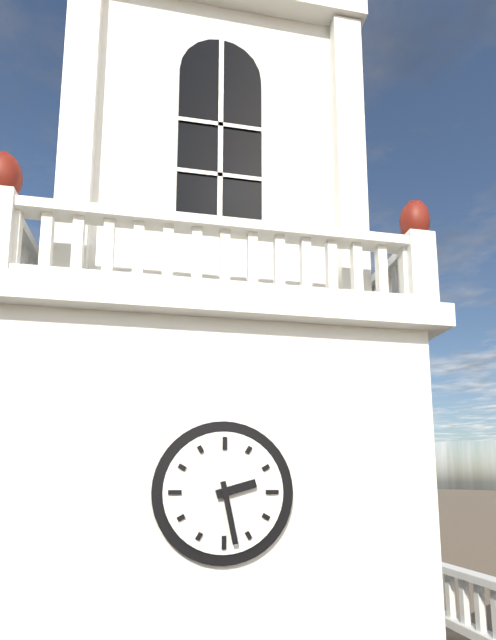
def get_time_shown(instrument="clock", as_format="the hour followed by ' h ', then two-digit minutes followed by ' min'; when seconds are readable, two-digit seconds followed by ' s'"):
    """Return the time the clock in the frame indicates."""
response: 2 h 28 min
